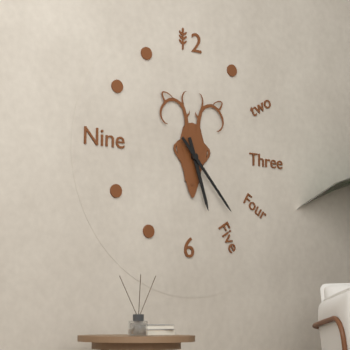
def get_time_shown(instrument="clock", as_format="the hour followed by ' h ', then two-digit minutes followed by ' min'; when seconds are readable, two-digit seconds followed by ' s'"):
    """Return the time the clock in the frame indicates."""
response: 5 h 23 min
